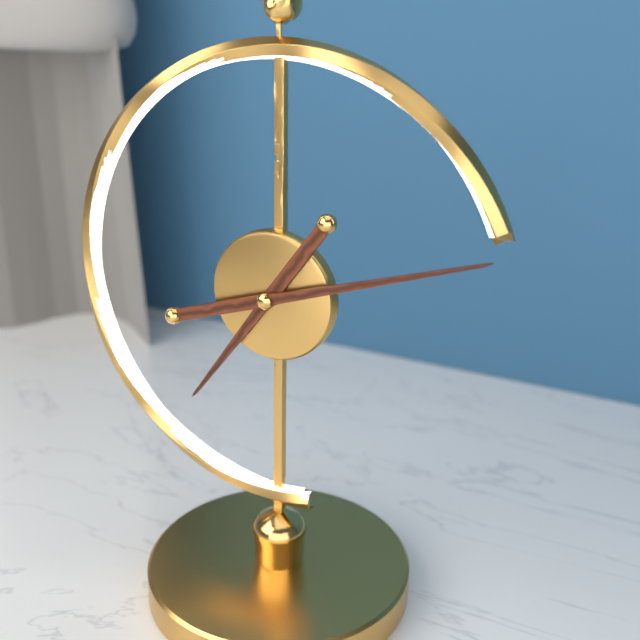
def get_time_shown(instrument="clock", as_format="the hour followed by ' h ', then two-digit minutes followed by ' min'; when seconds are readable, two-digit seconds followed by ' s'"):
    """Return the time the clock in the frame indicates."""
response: 7 h 12 min
